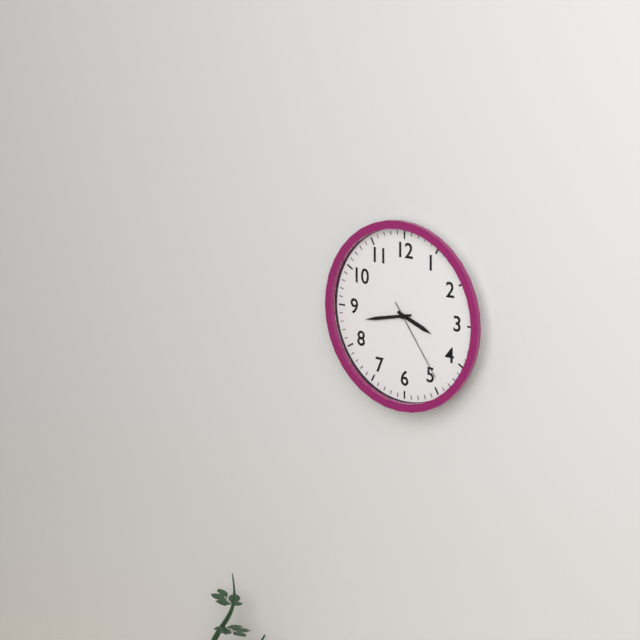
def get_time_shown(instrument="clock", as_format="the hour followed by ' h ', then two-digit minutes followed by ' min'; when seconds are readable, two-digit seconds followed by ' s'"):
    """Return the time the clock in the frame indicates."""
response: 3 h 43 min 24 s
